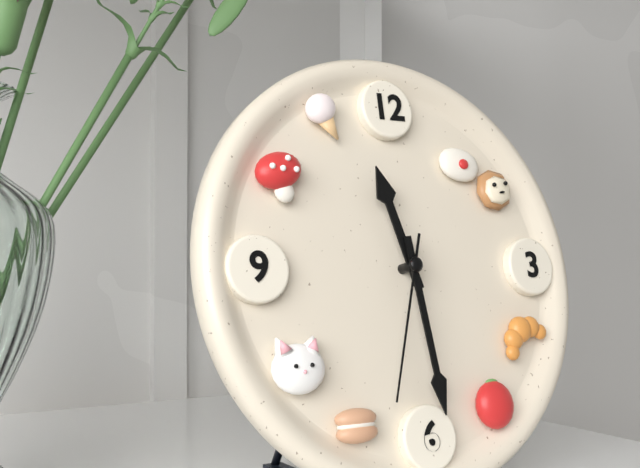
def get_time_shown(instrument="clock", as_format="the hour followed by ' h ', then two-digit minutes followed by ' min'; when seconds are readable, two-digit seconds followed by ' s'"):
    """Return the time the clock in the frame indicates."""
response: 11 h 29 min 33 s
